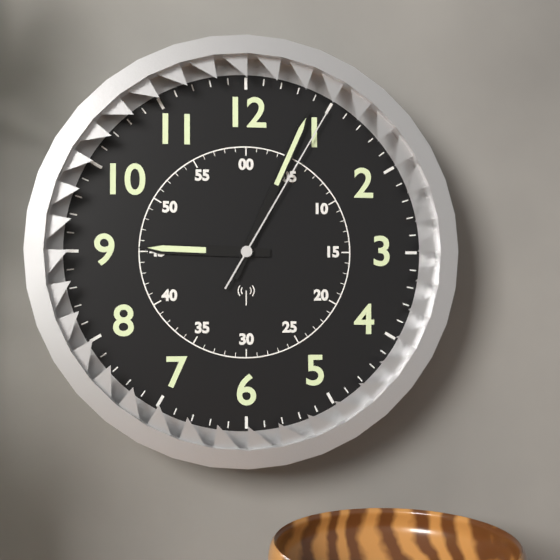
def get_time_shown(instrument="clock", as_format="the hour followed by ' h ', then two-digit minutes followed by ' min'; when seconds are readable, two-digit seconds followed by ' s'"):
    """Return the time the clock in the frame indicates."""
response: 9 h 04 min 05 s
